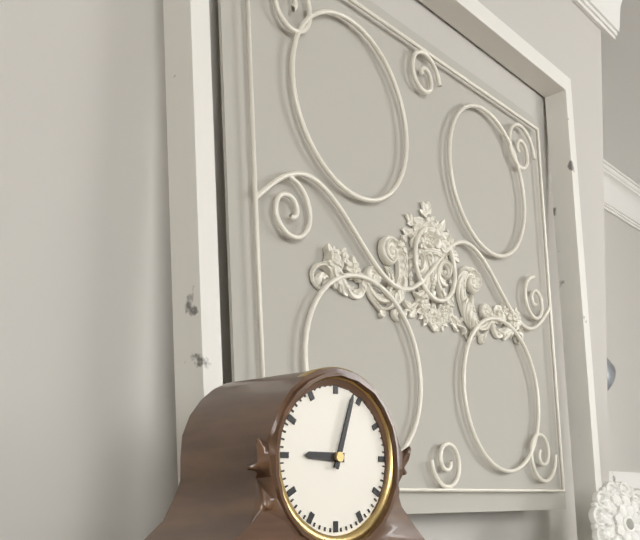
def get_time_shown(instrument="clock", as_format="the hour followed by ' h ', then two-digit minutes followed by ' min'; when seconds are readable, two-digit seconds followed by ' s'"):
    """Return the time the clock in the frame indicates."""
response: 9 h 03 min
